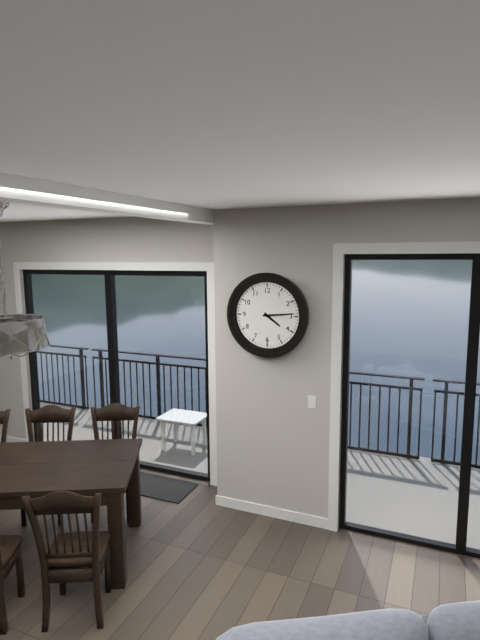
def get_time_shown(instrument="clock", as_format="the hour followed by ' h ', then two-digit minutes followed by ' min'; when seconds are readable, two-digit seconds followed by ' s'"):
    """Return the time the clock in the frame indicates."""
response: 4 h 14 min
